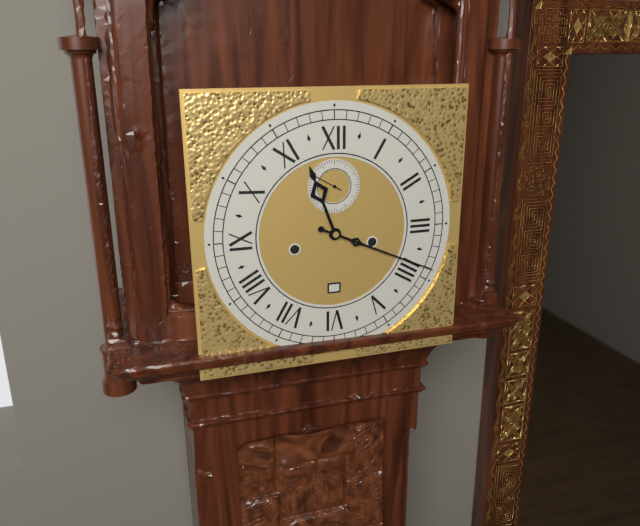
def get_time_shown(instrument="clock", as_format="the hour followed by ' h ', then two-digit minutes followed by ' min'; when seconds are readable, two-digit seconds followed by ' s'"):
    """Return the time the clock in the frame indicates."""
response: 11 h 19 min
